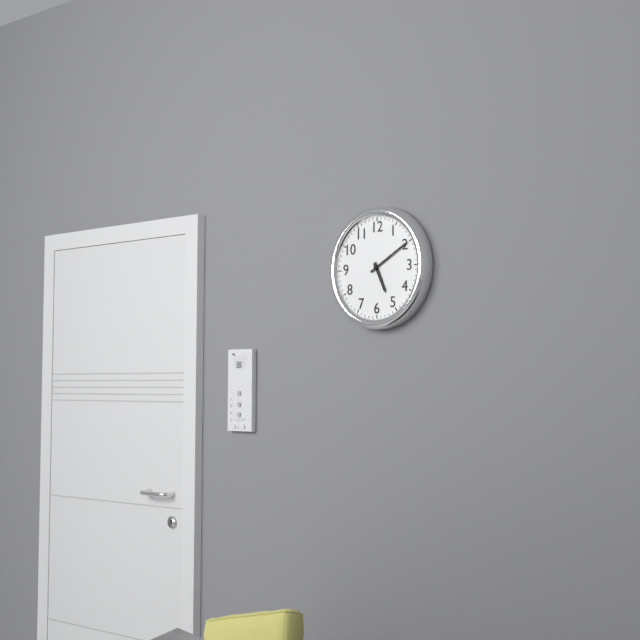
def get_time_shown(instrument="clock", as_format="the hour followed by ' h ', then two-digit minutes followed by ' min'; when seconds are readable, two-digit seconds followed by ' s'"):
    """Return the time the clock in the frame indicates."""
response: 5 h 10 min
